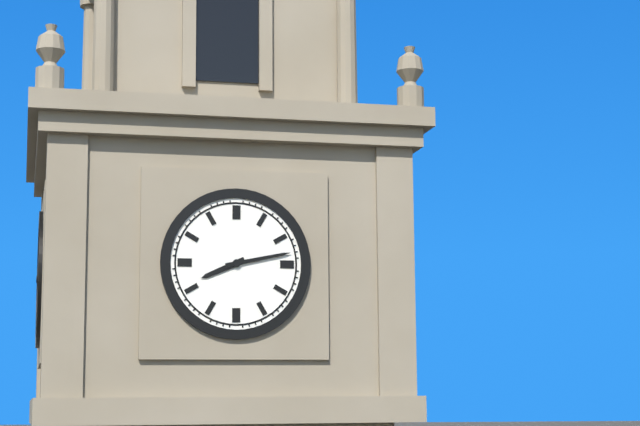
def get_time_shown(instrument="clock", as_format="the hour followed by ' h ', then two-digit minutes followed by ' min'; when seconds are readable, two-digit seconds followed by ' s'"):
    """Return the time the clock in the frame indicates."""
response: 8 h 13 min
